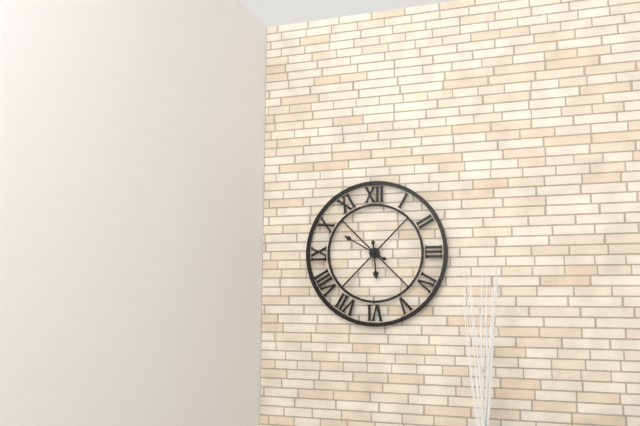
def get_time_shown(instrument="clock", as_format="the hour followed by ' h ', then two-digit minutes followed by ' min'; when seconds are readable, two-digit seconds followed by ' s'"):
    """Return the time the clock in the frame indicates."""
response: 5 h 50 min
